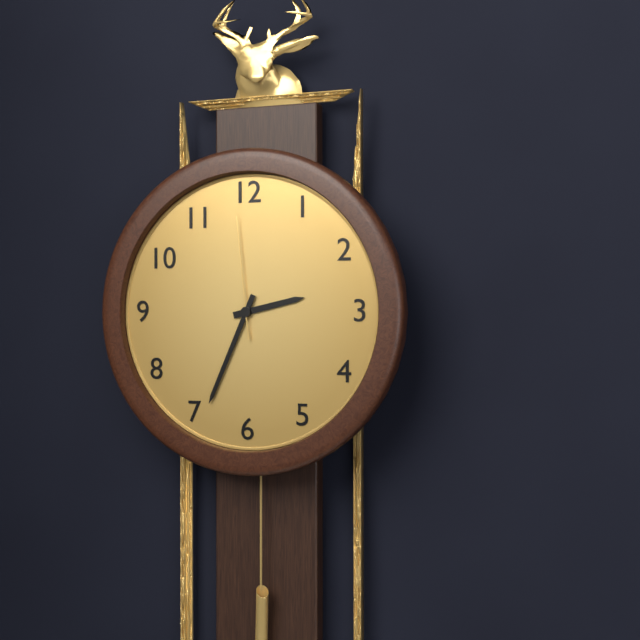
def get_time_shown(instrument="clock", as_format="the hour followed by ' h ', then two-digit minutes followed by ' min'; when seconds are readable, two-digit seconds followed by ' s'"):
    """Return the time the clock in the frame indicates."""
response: 2 h 34 min 59 s
